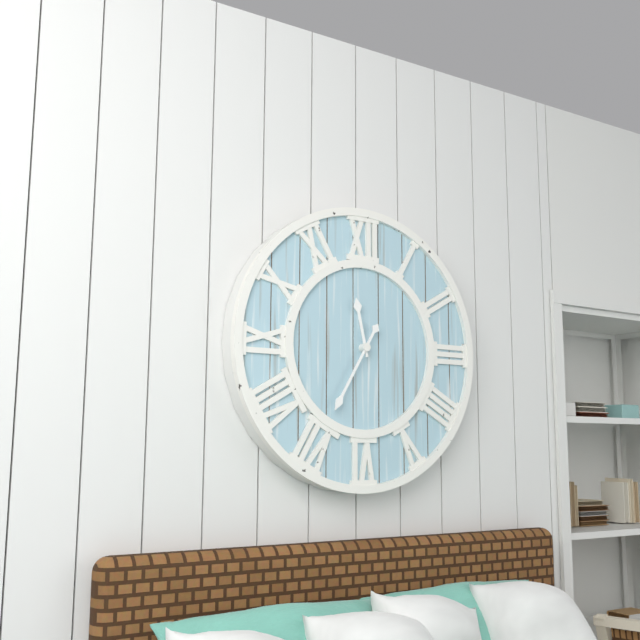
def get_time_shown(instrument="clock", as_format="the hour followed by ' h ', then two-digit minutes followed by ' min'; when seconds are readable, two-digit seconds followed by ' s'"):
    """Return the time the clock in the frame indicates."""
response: 11 h 35 min
